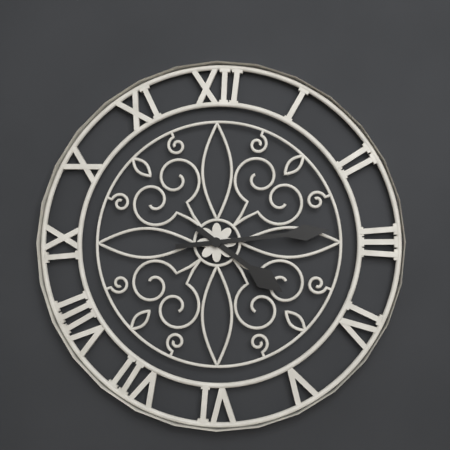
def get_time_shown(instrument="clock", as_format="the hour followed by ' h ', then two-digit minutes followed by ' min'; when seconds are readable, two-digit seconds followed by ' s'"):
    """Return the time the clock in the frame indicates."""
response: 4 h 14 min
